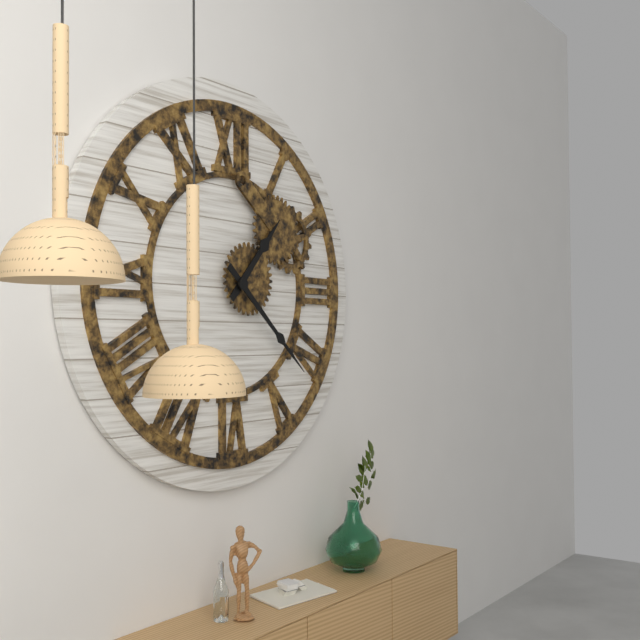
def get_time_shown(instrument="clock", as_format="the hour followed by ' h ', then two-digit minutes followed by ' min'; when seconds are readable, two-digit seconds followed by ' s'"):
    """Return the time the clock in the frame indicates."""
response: 1 h 22 min
